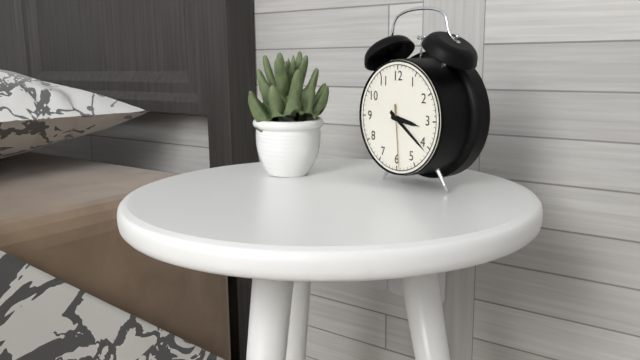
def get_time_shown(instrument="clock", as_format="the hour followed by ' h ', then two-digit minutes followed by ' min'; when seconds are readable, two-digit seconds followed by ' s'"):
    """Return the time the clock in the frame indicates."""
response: 3 h 21 min 29 s
